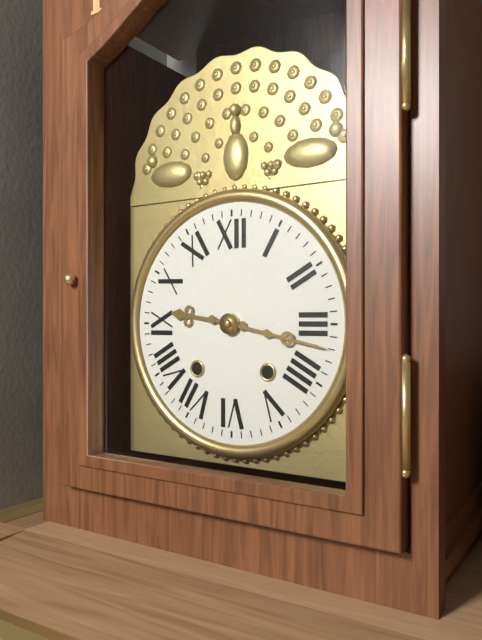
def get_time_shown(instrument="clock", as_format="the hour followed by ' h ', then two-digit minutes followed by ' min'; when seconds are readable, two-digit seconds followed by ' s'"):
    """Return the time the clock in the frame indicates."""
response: 9 h 17 min
